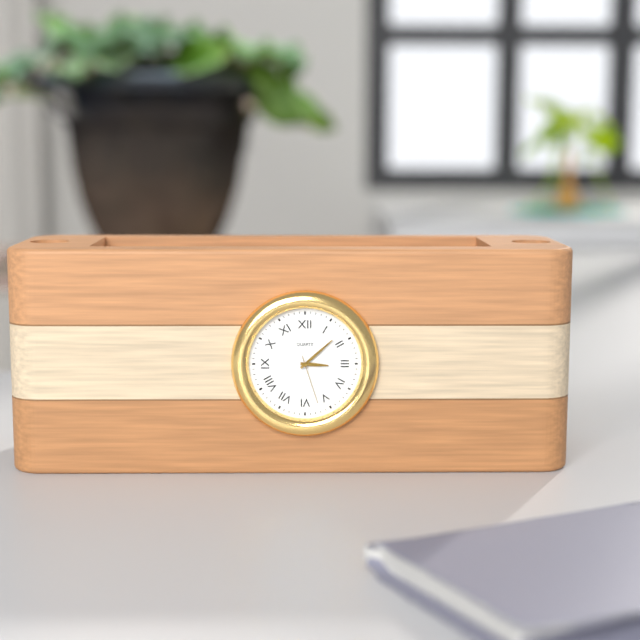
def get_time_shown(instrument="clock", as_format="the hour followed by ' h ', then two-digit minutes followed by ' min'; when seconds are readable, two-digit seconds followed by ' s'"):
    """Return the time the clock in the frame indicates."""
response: 3 h 08 min 27 s
